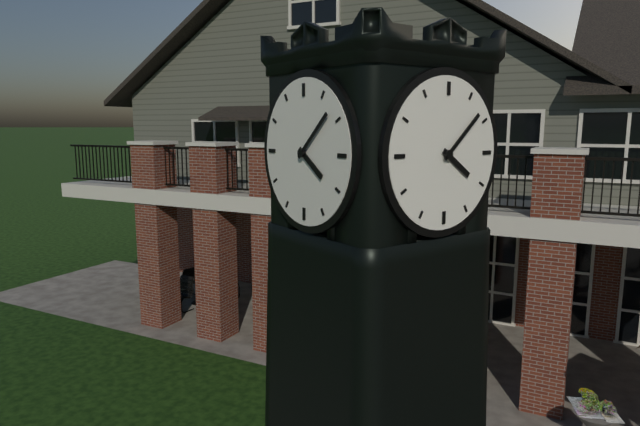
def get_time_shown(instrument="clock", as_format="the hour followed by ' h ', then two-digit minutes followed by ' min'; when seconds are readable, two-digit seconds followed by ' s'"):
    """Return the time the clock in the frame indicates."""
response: 4 h 08 min
